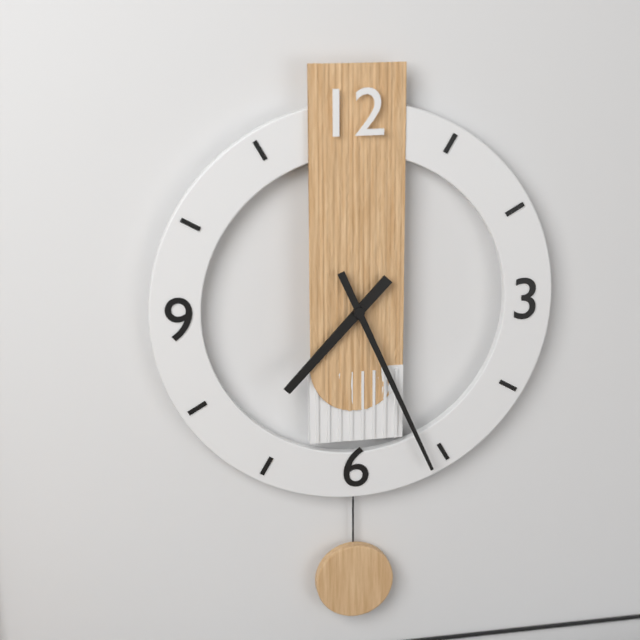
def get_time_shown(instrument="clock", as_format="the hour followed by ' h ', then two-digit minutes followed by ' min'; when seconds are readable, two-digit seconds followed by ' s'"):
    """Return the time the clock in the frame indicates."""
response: 7 h 26 min
